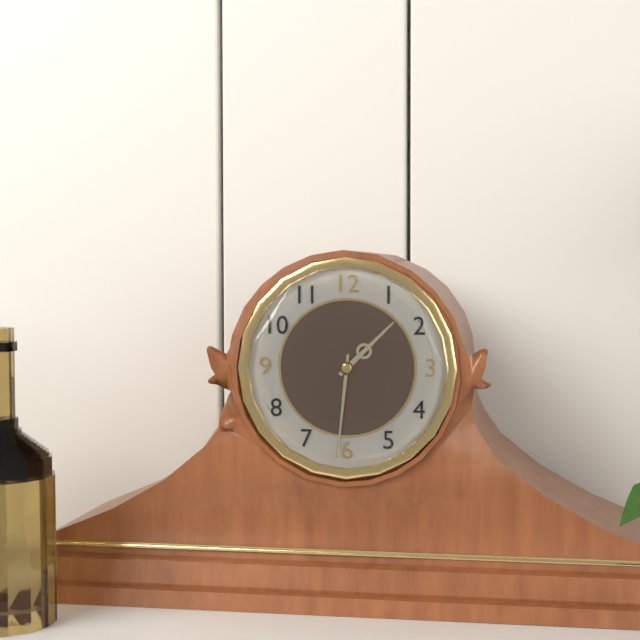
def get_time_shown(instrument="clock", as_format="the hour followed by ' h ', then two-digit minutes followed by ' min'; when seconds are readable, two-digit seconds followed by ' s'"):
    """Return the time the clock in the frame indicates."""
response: 1 h 31 min
